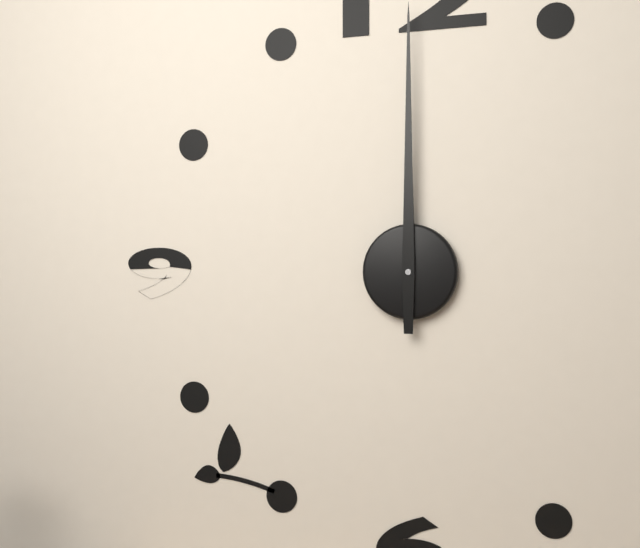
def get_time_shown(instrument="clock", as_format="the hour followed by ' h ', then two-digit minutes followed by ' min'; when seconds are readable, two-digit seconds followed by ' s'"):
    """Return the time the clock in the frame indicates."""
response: 12 h 00 min
